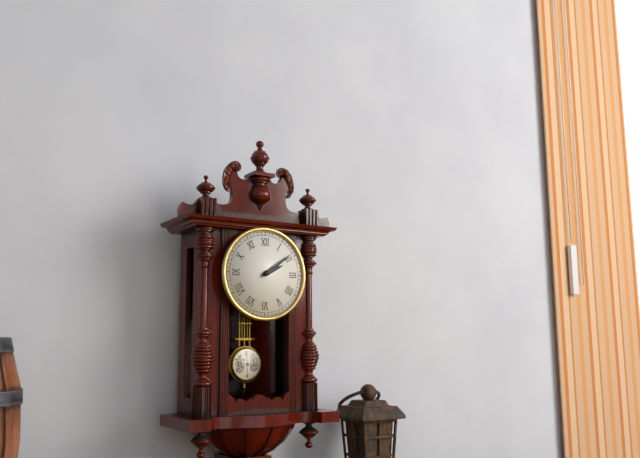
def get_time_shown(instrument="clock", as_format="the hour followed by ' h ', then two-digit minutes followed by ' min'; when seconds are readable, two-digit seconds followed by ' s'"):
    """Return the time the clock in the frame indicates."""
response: 2 h 09 min
